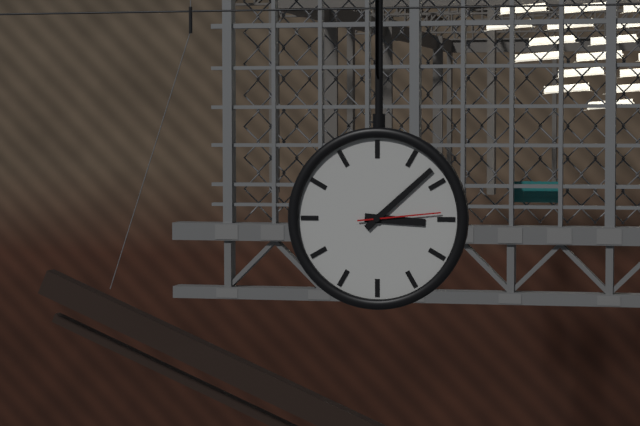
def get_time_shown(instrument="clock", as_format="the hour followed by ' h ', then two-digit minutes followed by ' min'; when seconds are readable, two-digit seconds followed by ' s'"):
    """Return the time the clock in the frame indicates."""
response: 3 h 08 min 14 s
